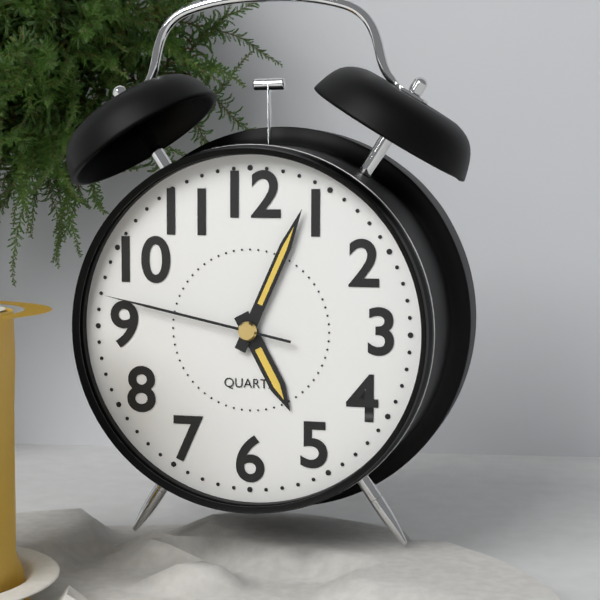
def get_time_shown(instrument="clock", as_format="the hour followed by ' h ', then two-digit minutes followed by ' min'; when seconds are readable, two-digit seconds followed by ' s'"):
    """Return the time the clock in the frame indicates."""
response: 5 h 04 min 47 s
